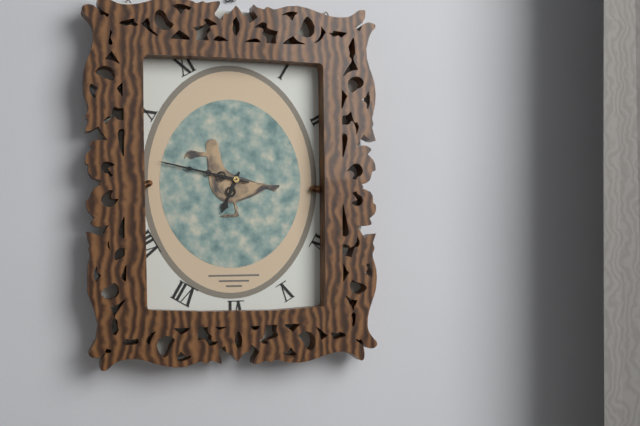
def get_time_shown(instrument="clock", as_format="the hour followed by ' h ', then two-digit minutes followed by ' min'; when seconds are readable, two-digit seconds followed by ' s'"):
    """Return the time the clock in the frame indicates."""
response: 6 h 47 min
